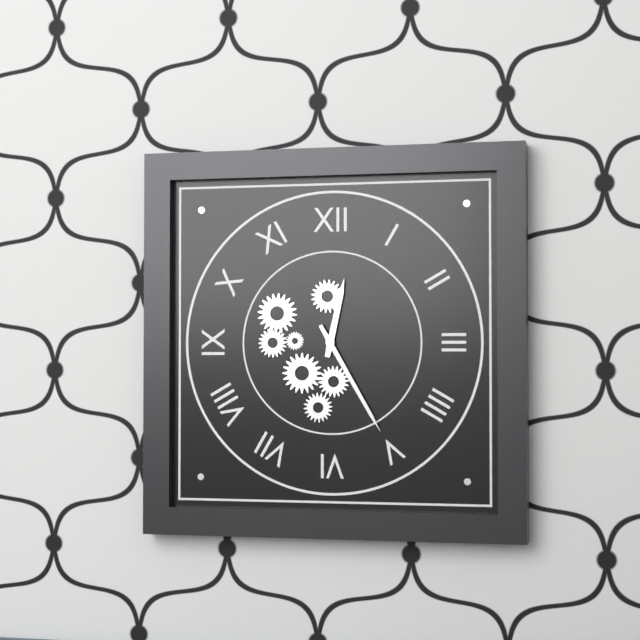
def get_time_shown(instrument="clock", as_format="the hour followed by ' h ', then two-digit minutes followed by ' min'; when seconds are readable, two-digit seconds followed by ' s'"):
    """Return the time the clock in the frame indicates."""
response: 12 h 25 min
